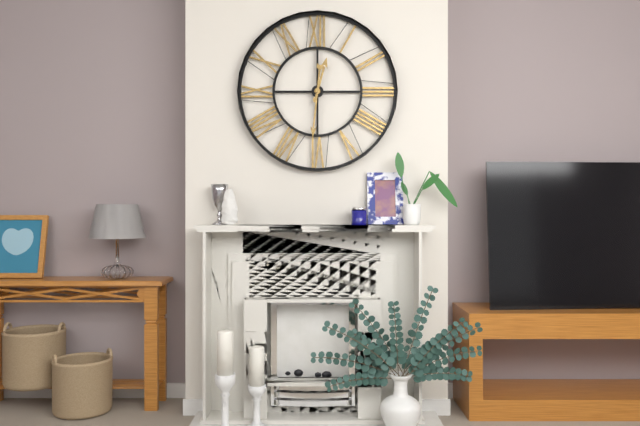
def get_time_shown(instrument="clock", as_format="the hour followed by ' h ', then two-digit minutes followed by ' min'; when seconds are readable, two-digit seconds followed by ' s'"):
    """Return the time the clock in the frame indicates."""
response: 12 h 31 min
